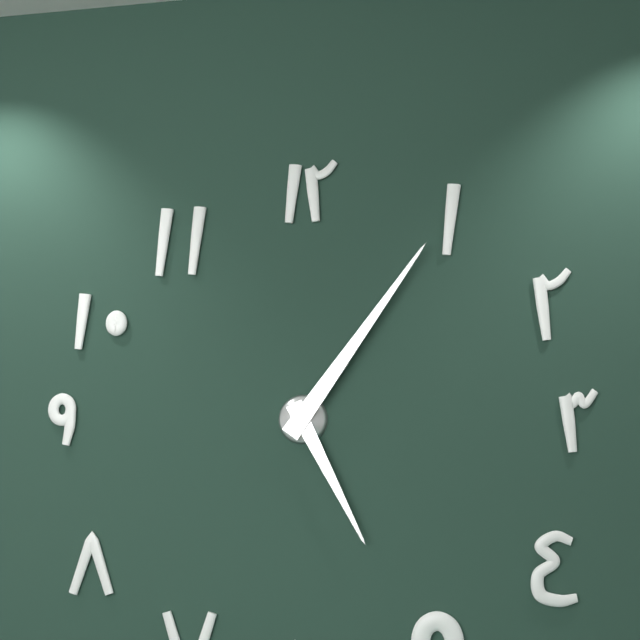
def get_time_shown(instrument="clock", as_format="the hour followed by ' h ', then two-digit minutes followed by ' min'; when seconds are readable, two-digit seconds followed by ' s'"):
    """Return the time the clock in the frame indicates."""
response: 5 h 06 min
